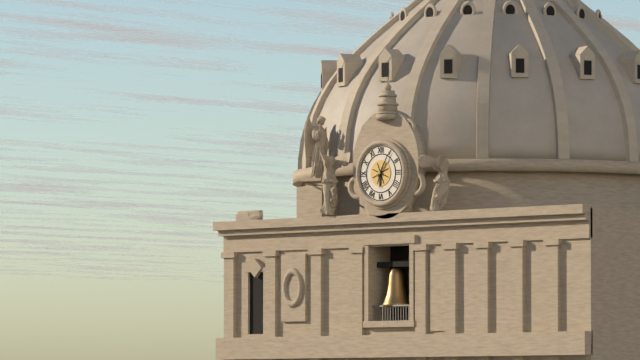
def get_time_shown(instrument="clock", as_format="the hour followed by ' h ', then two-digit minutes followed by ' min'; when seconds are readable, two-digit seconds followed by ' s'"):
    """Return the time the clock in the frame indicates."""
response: 6 h 05 min
